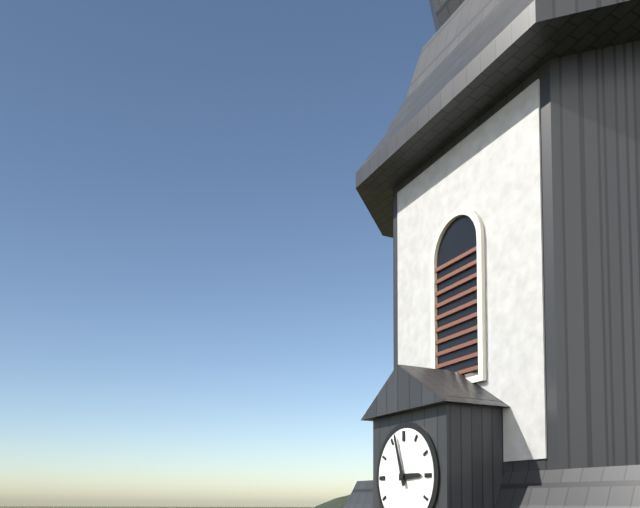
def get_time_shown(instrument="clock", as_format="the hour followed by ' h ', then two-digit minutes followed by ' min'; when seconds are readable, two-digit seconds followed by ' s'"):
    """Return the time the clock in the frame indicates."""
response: 2 h 57 min
